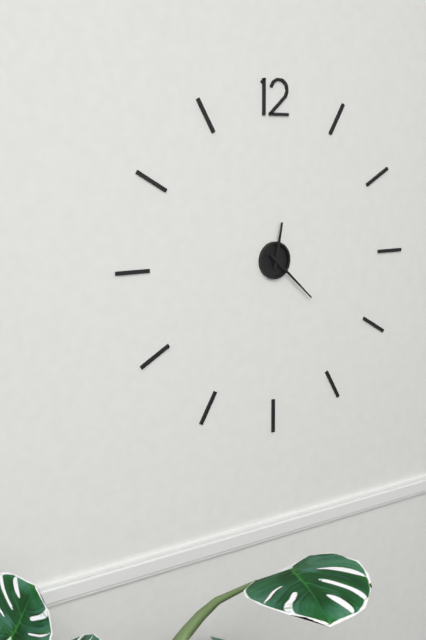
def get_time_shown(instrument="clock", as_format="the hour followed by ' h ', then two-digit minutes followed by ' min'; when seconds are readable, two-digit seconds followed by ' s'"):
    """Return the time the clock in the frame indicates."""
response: 12 h 22 min
